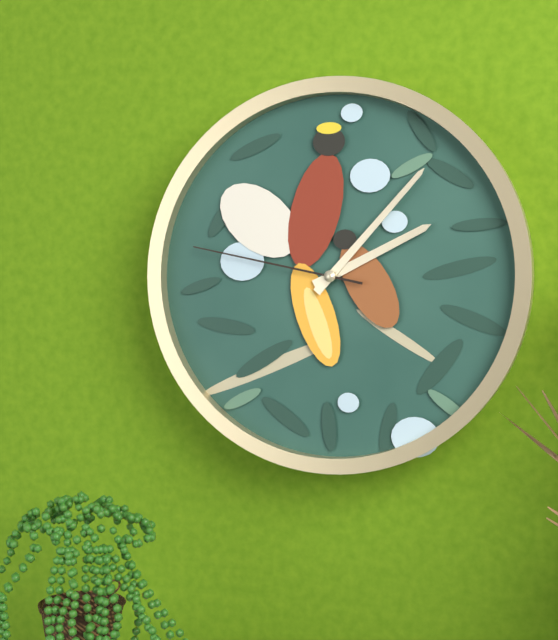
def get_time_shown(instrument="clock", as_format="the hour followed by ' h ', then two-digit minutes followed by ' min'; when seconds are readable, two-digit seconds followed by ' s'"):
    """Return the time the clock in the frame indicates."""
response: 2 h 07 min 47 s
